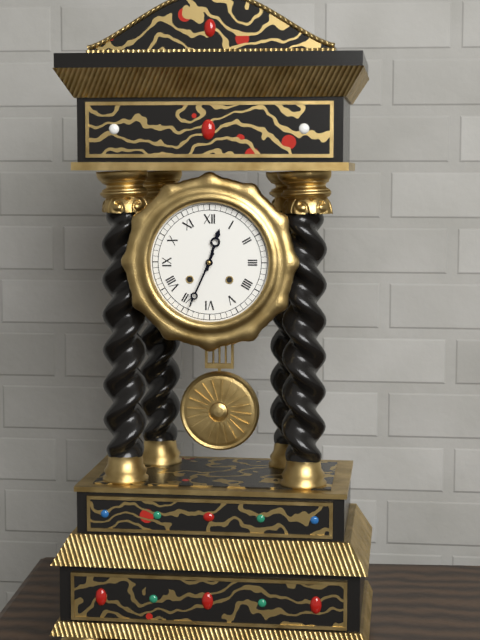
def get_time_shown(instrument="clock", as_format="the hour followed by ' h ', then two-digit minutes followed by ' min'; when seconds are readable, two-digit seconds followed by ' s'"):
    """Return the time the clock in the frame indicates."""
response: 12 h 34 min
